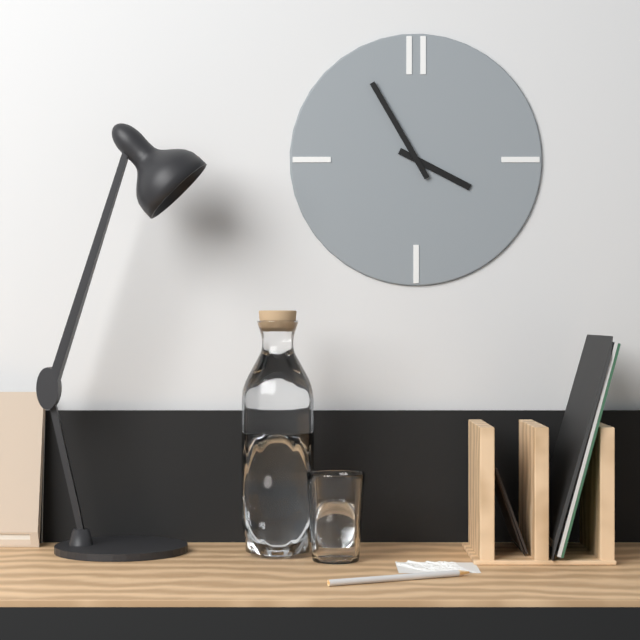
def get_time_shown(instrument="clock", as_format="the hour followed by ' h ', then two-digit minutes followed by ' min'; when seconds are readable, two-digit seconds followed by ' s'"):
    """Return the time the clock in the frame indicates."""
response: 3 h 55 min
